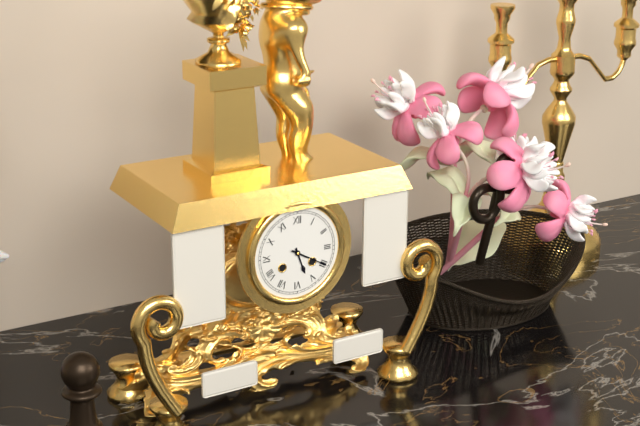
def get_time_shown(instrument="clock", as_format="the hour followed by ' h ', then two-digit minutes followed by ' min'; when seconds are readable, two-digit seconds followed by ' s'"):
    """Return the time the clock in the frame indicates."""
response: 5 h 20 min
